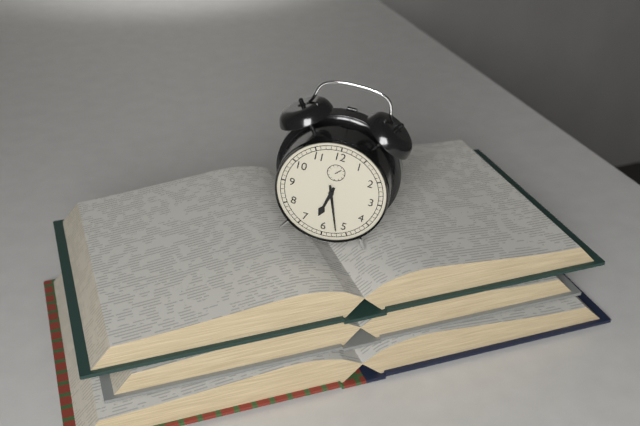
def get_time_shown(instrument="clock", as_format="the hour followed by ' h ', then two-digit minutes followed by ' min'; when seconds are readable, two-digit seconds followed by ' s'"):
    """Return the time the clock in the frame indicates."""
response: 6 h 27 min
